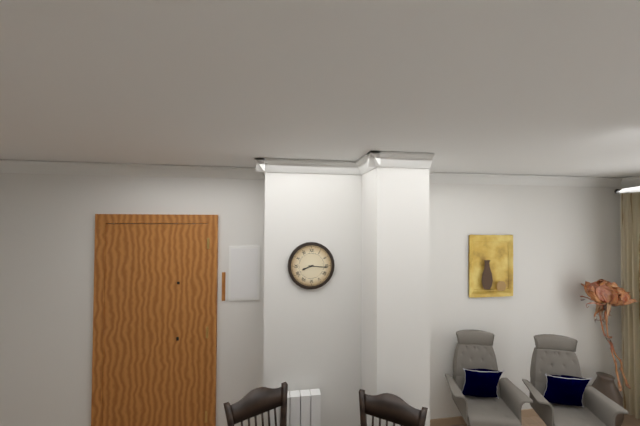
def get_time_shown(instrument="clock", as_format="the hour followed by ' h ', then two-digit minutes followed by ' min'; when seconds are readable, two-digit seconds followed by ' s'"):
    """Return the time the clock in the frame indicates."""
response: 8 h 16 min
